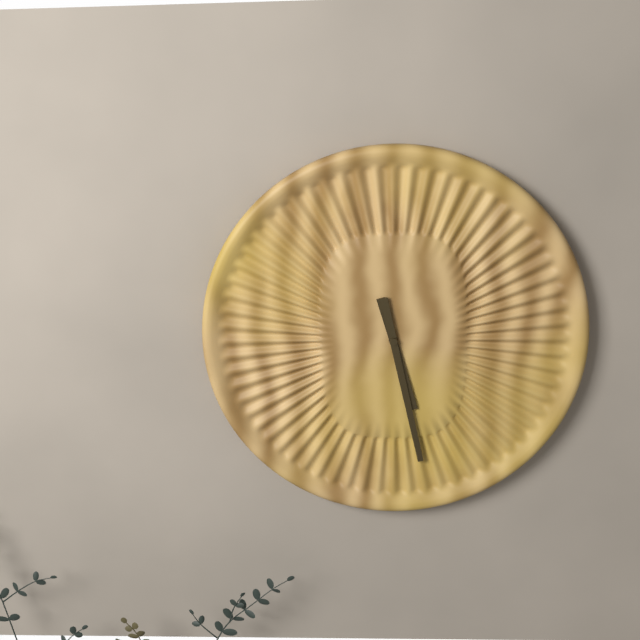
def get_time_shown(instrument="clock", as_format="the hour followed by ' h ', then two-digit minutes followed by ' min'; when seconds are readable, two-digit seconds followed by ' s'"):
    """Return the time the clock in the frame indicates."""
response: 5 h 28 min
